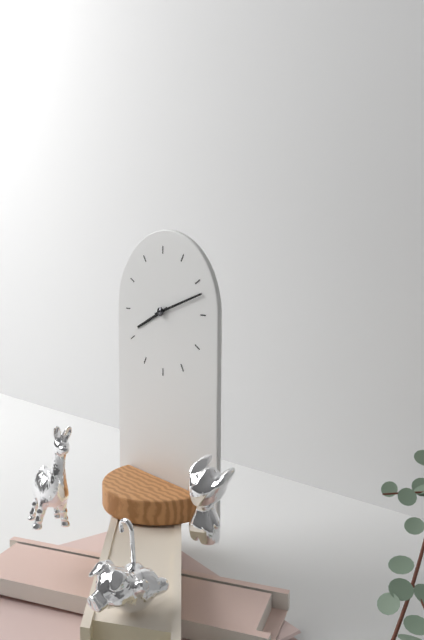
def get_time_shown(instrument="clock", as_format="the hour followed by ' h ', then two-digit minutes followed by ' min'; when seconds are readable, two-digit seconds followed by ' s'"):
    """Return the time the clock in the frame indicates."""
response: 8 h 12 min
